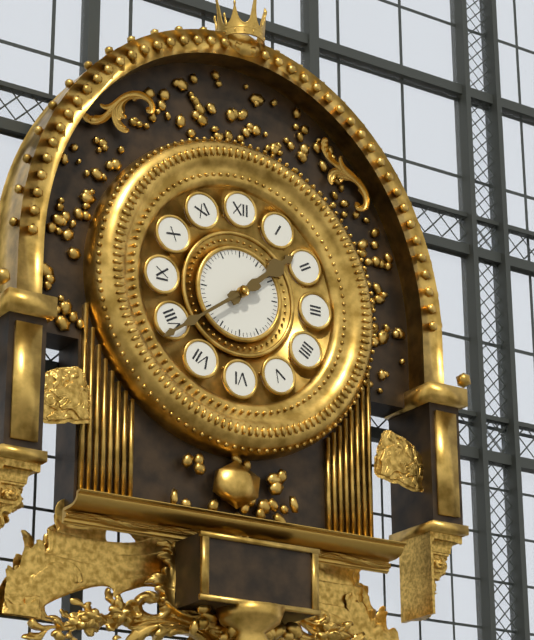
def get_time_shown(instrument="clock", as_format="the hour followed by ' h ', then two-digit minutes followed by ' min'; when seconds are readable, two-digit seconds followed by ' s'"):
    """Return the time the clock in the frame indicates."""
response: 1 h 39 min
